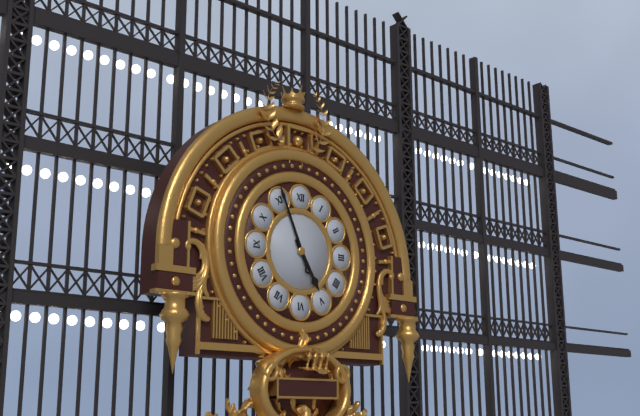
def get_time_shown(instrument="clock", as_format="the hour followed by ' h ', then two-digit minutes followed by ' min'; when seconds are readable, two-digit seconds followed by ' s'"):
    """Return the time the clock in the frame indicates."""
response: 4 h 56 min
